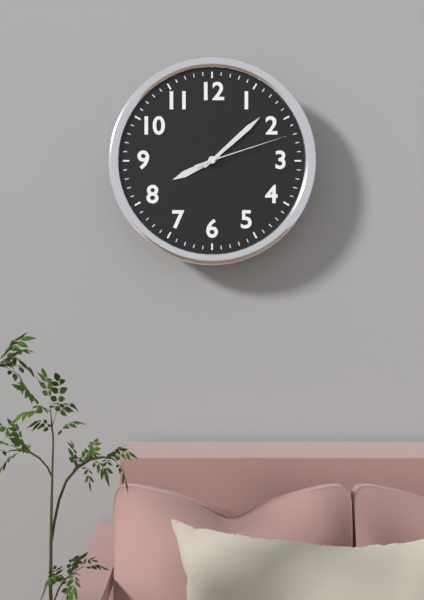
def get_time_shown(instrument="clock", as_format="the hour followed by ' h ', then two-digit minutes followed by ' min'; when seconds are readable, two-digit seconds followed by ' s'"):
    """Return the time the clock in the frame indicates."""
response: 8 h 08 min 12 s
